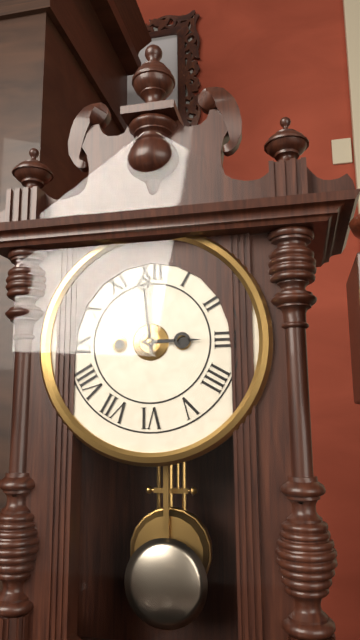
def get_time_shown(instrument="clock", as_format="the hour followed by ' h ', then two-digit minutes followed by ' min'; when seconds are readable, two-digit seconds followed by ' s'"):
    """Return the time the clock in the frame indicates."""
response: 2 h 59 min
